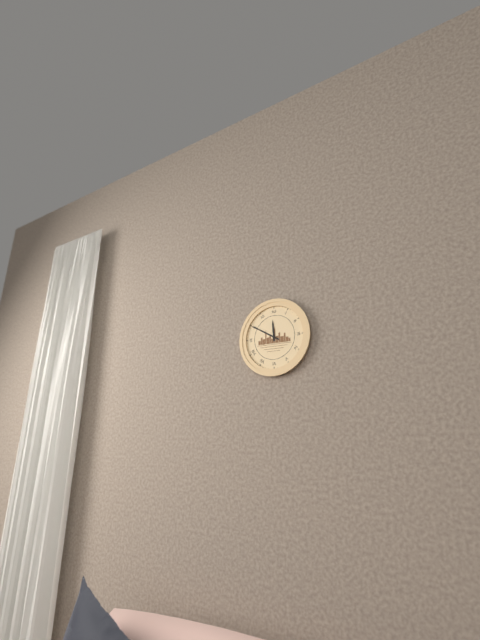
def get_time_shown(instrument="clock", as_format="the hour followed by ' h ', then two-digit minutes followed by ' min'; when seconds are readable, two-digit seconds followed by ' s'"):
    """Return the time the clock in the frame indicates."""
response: 11 h 50 min
